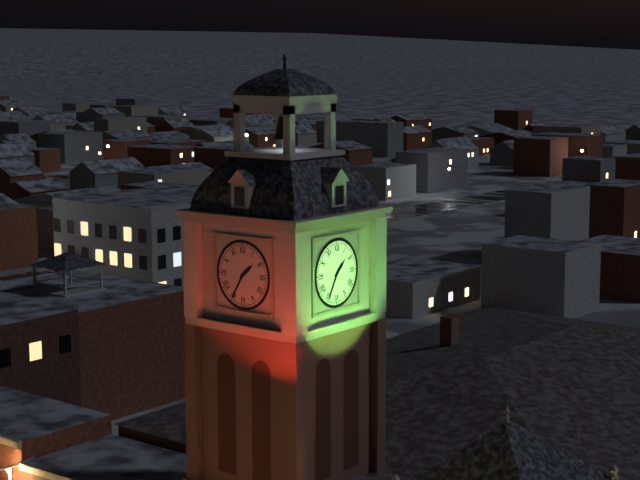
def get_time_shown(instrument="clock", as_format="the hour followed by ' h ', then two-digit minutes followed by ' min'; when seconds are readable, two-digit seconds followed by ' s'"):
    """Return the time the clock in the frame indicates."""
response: 1 h 35 min
